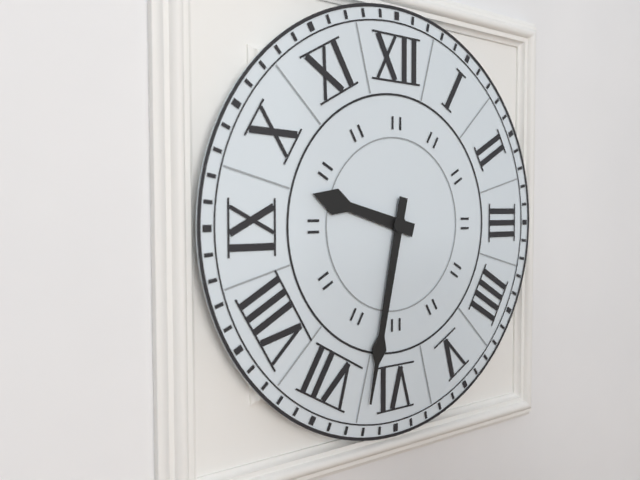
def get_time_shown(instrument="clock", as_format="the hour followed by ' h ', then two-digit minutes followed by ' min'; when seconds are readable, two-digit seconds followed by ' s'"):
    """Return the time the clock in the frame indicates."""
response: 9 h 32 min
